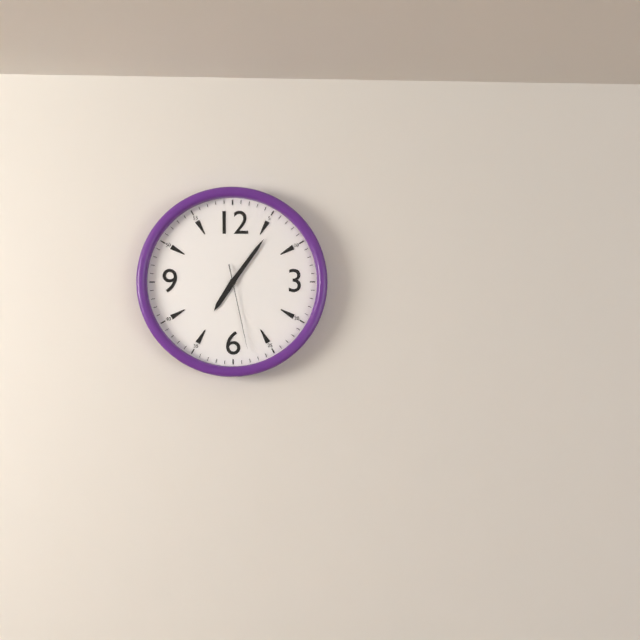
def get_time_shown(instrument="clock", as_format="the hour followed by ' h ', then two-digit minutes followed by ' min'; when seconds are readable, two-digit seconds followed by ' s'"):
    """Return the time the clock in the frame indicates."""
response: 7 h 06 min 28 s
